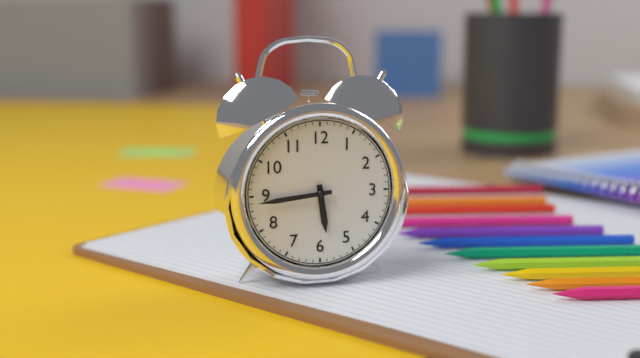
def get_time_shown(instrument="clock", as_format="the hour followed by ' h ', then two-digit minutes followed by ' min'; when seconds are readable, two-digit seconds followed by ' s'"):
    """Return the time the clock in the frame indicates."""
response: 5 h 44 min
